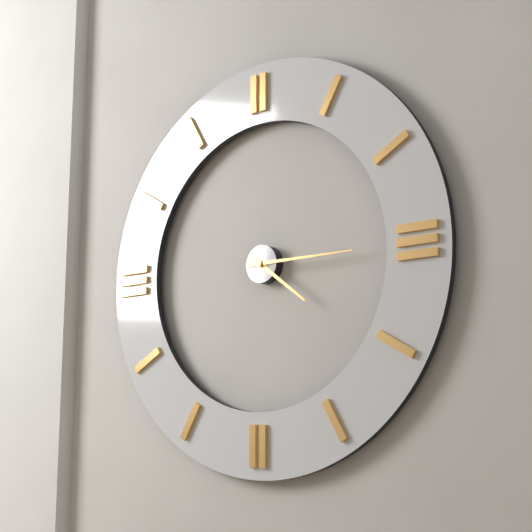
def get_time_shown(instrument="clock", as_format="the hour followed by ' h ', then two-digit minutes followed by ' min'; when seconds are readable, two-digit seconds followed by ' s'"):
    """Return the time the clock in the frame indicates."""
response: 4 h 15 min
